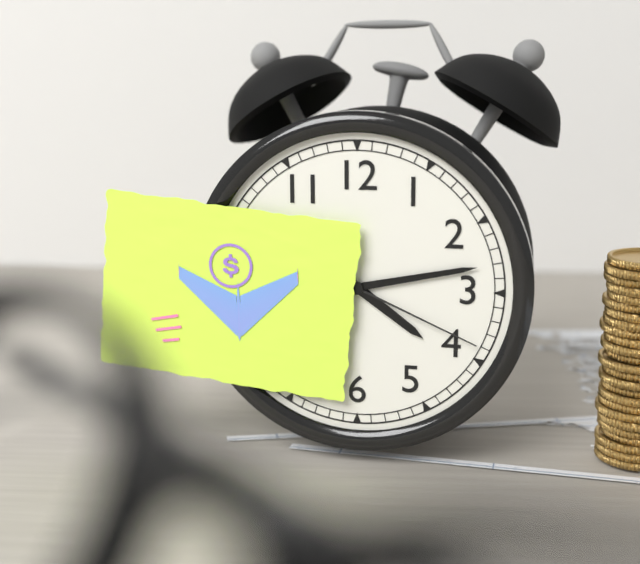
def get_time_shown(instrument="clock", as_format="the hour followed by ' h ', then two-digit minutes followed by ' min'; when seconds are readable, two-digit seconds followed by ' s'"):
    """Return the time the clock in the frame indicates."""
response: 4 h 13 min 19 s
